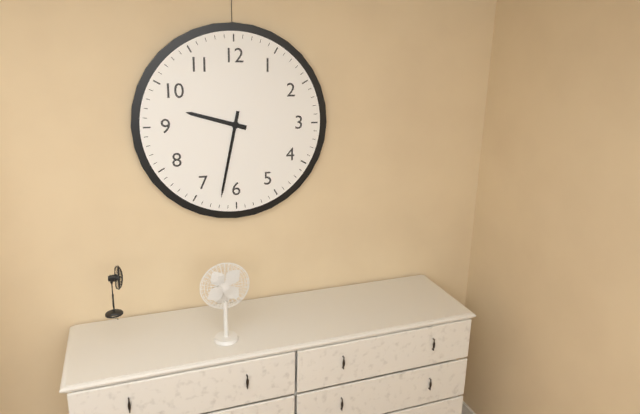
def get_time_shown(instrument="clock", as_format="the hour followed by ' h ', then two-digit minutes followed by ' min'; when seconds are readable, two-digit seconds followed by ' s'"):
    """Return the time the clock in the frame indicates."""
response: 9 h 32 min
